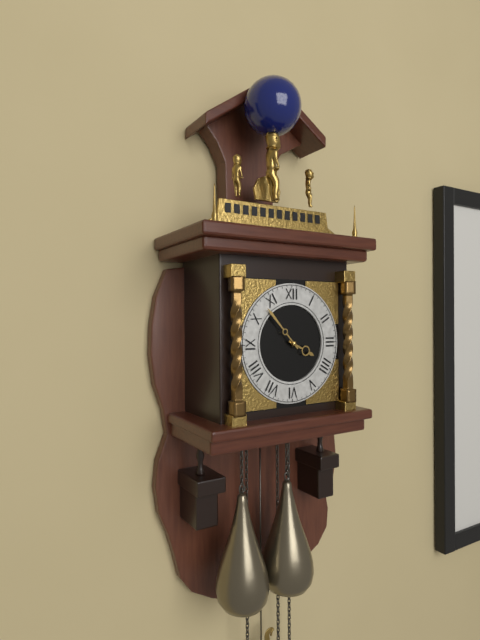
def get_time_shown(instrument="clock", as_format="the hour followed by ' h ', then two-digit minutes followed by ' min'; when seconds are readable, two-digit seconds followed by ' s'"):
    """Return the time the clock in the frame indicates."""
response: 3 h 53 min
